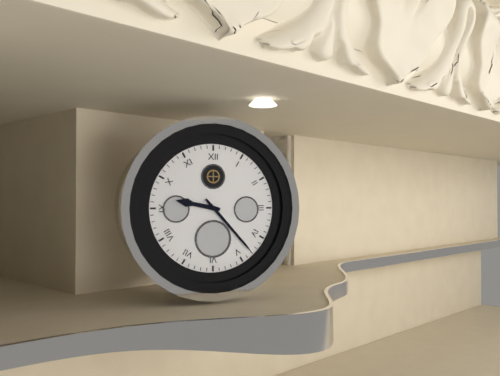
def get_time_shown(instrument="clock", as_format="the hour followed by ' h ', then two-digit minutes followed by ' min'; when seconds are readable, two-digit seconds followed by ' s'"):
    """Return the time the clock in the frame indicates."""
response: 9 h 23 min
